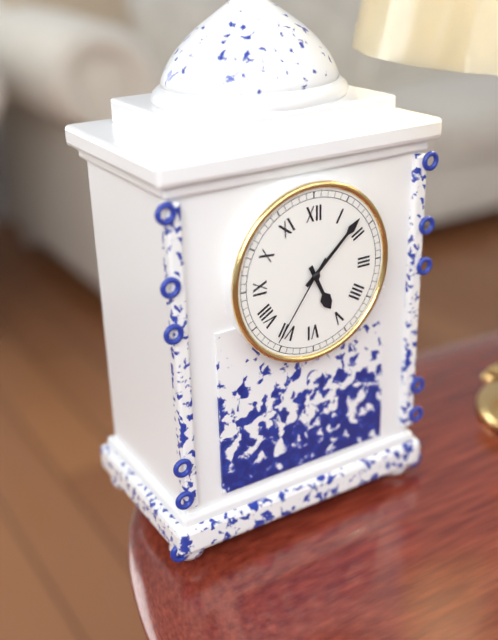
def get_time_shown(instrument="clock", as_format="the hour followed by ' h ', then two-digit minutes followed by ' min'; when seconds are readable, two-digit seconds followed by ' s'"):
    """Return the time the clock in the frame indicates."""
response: 5 h 08 min 36 s
